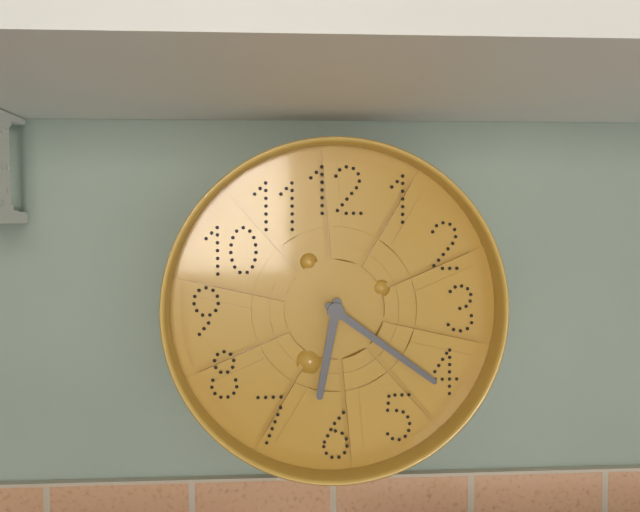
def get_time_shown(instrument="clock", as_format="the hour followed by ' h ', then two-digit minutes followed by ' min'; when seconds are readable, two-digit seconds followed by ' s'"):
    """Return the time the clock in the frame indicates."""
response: 6 h 21 min
